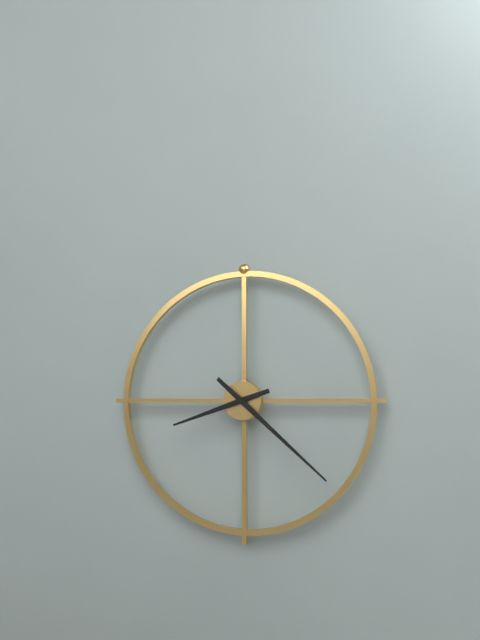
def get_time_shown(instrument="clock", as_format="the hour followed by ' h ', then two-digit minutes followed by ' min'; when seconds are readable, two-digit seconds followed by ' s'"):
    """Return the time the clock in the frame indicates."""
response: 8 h 22 min
